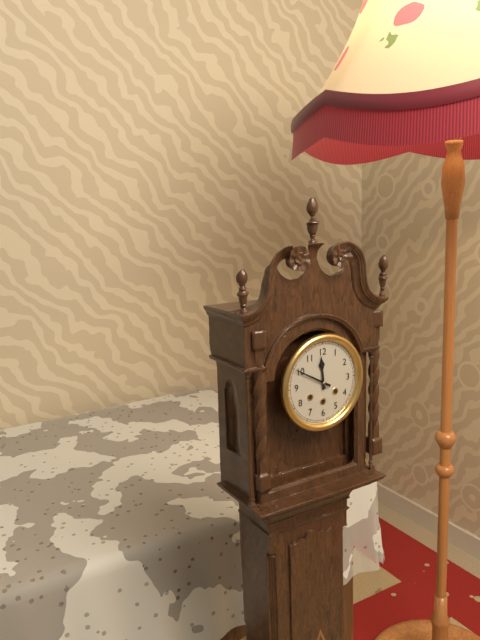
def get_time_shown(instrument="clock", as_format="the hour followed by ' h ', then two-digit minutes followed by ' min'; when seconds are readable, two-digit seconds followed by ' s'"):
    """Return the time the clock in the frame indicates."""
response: 11 h 50 min
